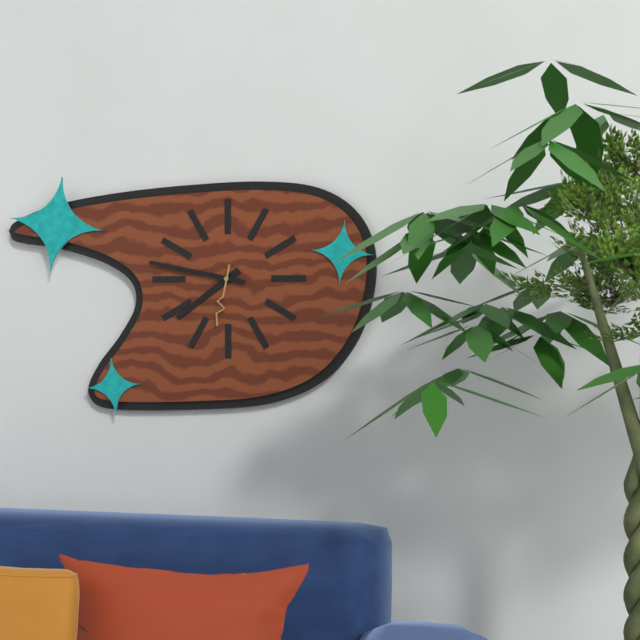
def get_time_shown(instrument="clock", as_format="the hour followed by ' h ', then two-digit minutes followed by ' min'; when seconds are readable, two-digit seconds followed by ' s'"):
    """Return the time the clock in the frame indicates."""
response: 7 h 47 min 32 s
